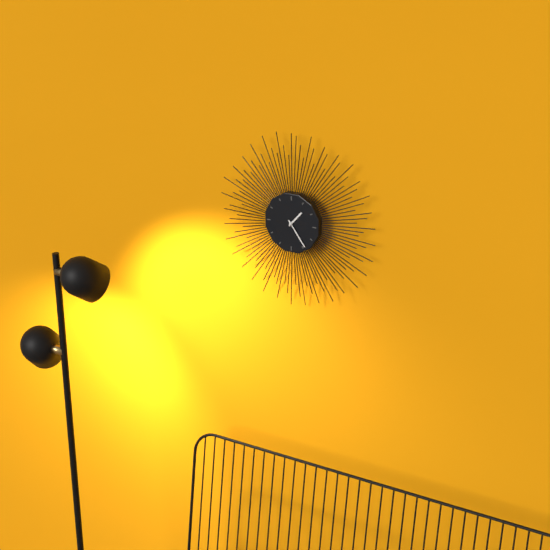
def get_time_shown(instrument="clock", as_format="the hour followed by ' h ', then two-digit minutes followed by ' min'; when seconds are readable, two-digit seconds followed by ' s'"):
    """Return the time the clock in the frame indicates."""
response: 1 h 24 min
